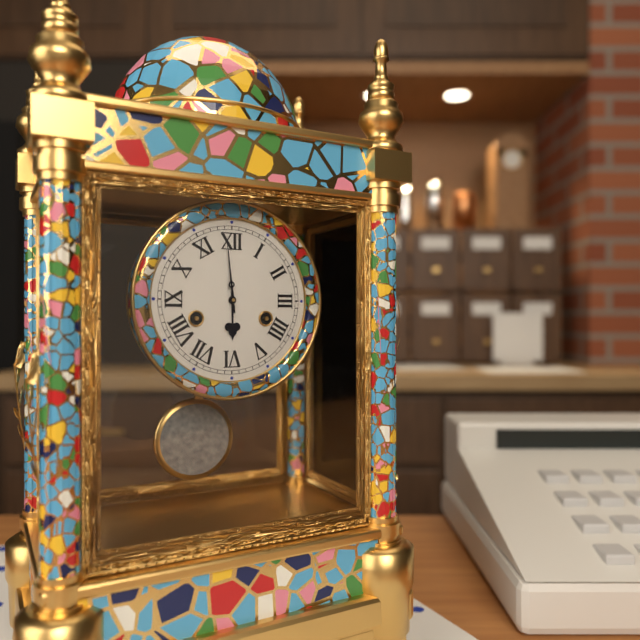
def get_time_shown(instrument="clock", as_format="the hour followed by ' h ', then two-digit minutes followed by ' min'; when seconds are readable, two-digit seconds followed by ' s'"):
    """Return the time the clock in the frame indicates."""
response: 5 h 59 min
